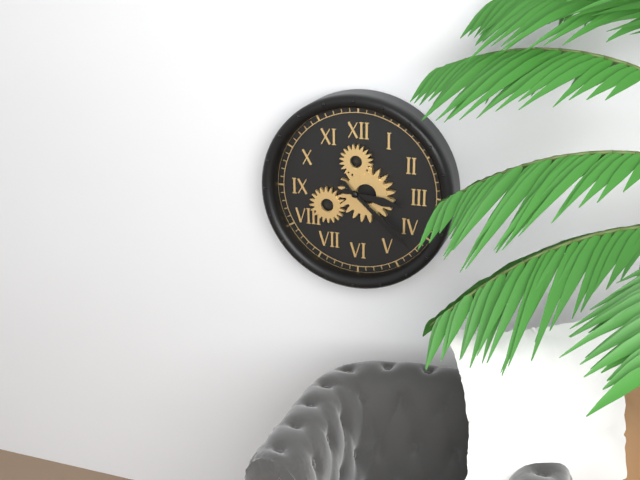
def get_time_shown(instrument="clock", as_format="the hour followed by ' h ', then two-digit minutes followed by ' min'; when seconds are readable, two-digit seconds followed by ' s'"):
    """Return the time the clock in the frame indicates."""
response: 3 h 22 min
